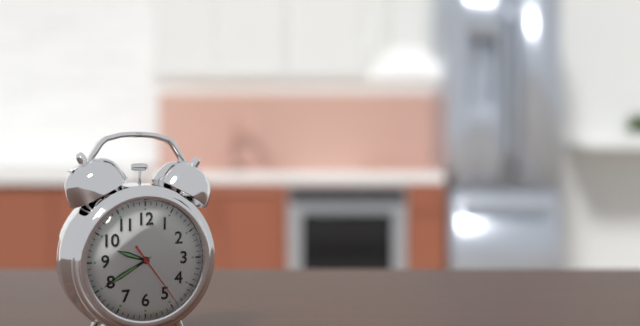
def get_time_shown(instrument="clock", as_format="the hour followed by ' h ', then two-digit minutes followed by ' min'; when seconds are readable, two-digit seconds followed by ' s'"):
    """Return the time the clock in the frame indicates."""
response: 9 h 40 min 24 s
